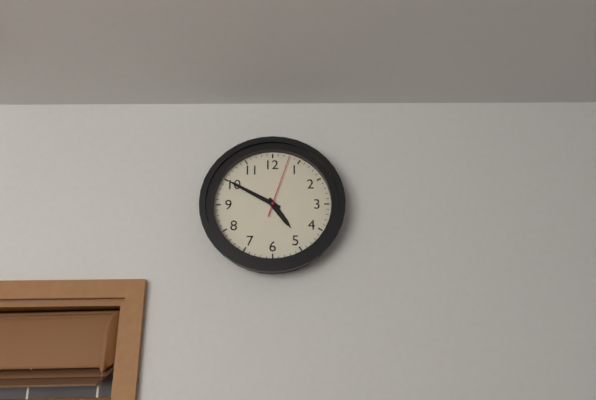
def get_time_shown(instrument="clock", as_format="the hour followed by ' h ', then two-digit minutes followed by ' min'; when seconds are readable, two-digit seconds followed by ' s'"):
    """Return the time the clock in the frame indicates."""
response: 4 h 50 min 03 s
